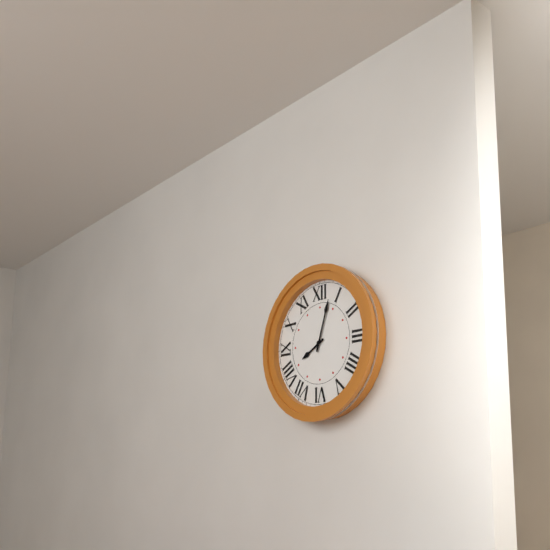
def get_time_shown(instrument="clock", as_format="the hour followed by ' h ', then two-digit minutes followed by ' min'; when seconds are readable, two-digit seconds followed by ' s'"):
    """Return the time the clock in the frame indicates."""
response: 8 h 03 min
